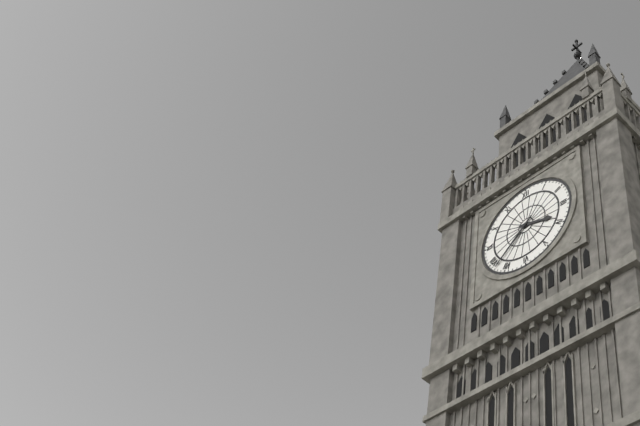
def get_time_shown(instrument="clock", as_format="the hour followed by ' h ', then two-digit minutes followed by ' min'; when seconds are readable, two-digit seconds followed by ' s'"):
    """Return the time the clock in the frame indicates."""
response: 3 h 38 min
